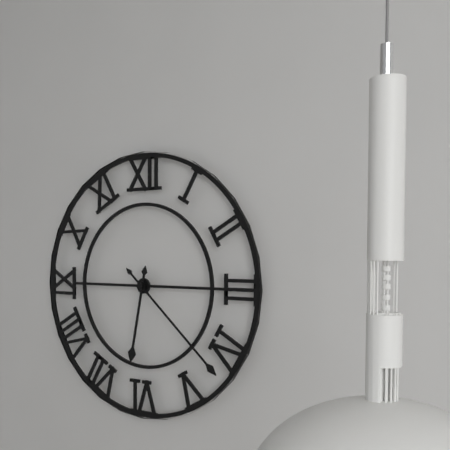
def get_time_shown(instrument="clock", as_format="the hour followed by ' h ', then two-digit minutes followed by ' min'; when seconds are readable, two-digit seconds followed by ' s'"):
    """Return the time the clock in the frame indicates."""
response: 6 h 22 min
